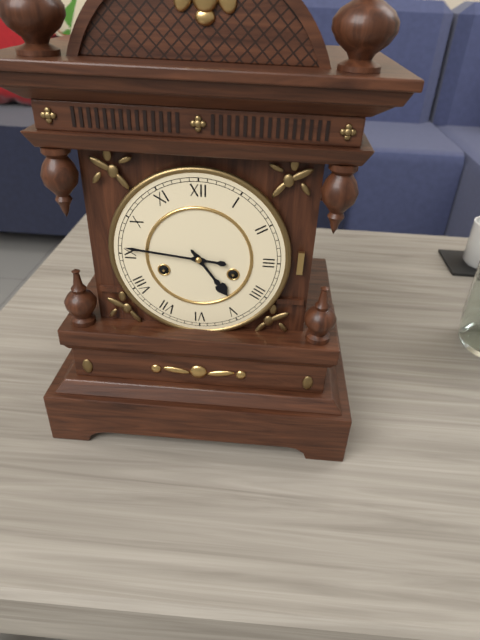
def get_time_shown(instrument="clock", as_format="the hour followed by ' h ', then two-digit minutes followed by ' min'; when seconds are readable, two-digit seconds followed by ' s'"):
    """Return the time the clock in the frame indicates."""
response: 4 h 46 min
